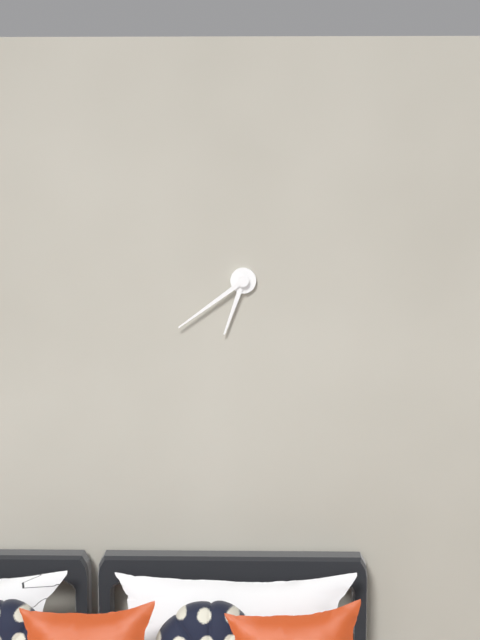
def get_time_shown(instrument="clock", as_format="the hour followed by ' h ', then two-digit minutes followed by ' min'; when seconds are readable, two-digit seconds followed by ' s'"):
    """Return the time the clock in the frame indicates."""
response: 6 h 39 min
